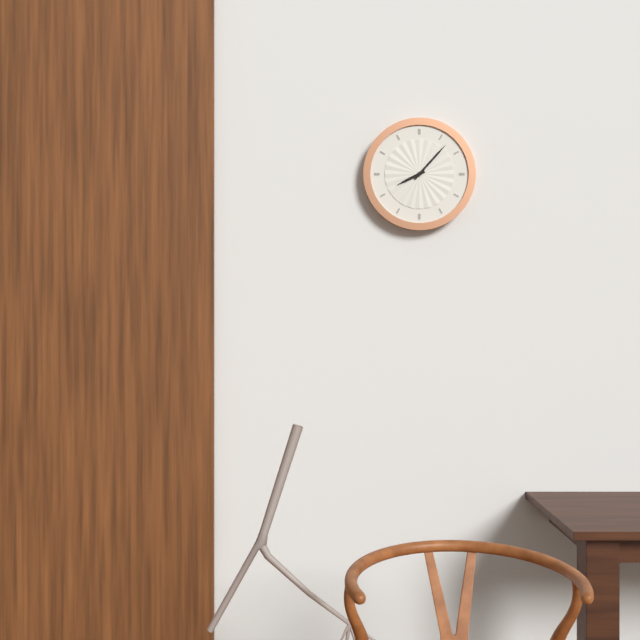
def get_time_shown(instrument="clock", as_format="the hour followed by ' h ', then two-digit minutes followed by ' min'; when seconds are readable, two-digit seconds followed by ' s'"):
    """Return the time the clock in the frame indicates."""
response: 8 h 07 min
